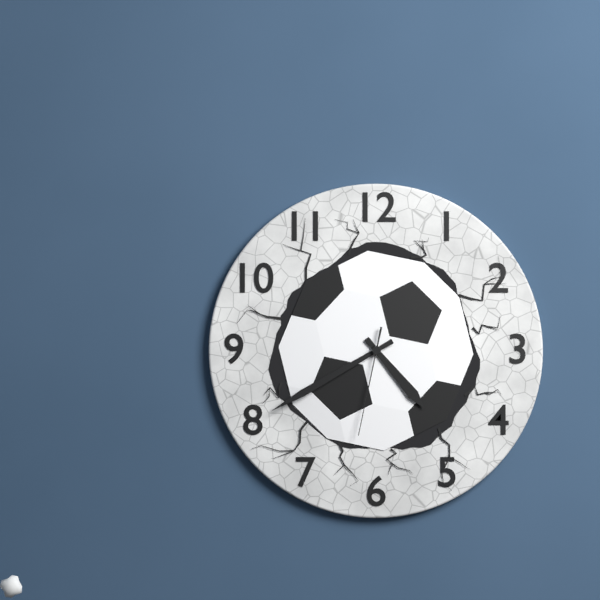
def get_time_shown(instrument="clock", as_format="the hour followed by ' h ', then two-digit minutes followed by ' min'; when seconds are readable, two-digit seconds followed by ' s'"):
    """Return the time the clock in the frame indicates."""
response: 4 h 40 min 32 s
